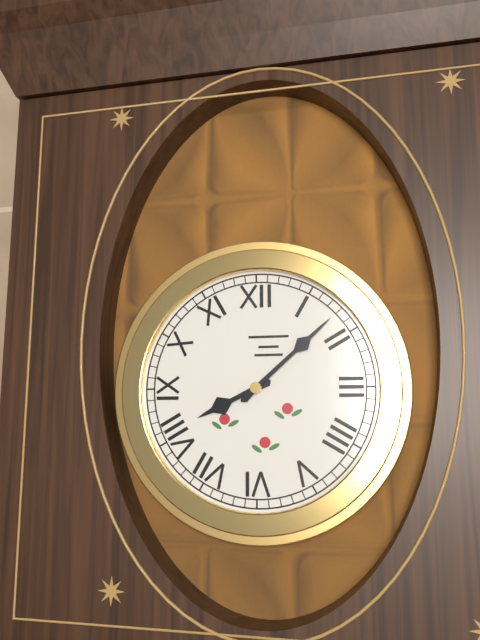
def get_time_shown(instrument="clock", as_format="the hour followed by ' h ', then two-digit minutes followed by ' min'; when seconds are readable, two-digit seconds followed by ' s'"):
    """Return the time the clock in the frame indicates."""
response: 8 h 08 min
